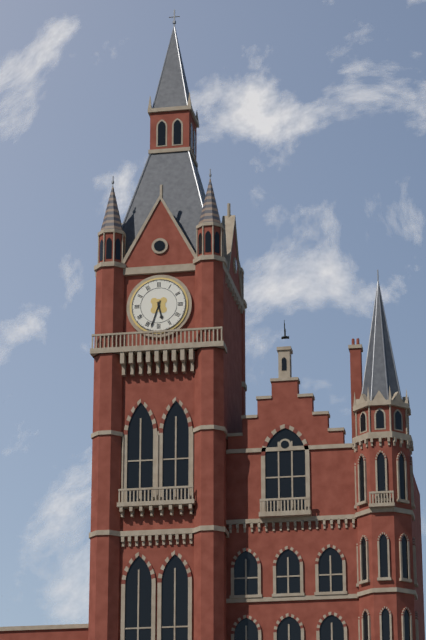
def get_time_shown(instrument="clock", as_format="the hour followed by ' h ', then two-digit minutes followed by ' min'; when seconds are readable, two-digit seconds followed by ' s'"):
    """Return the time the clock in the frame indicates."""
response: 5 h 33 min
